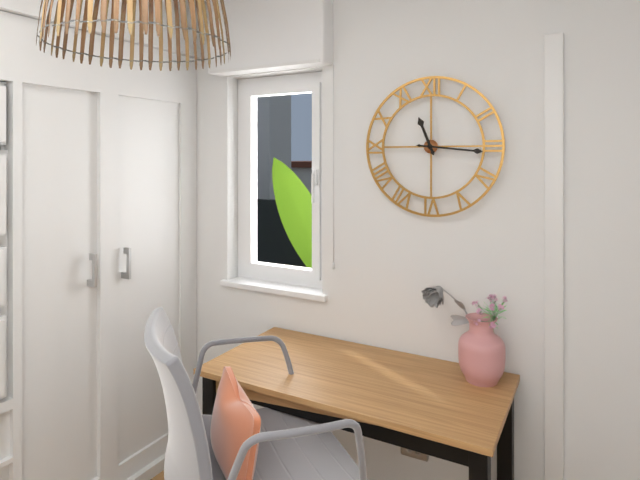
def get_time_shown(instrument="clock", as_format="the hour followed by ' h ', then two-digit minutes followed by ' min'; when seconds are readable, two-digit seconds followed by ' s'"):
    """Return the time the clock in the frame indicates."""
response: 11 h 16 min
